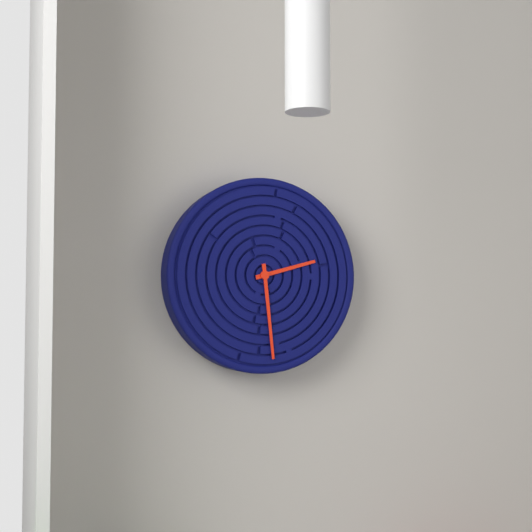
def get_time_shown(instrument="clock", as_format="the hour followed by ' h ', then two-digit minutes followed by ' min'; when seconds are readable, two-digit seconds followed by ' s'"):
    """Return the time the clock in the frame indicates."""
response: 2 h 29 min
